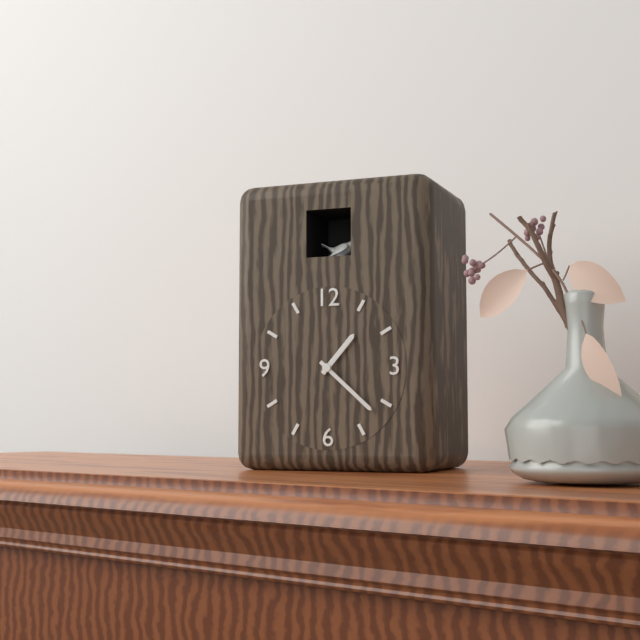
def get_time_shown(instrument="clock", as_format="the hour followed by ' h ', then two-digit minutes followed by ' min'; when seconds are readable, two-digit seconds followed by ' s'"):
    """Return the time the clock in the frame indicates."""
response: 1 h 22 min
